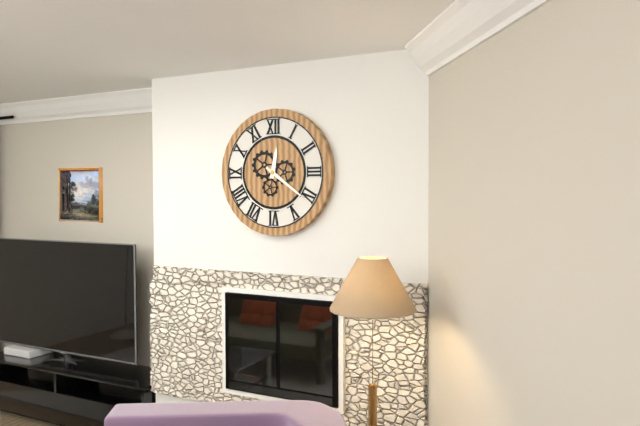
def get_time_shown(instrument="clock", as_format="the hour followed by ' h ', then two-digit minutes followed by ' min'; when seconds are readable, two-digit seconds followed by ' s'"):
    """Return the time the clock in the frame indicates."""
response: 12 h 21 min
